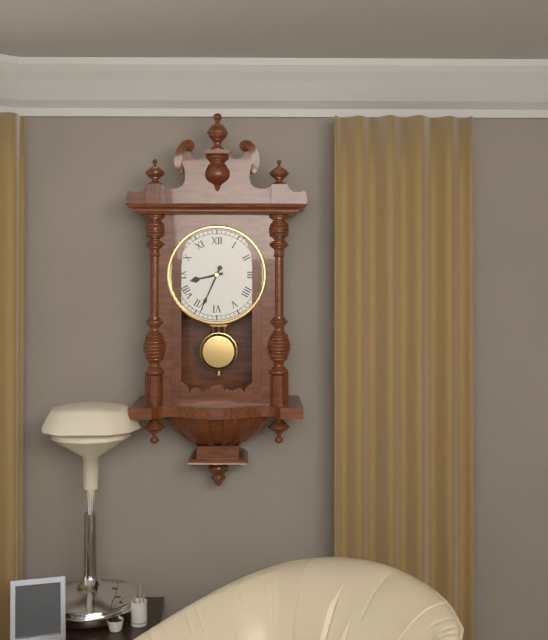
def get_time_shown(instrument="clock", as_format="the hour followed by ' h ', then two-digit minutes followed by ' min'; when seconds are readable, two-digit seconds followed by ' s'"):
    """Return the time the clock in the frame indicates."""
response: 8 h 34 min
